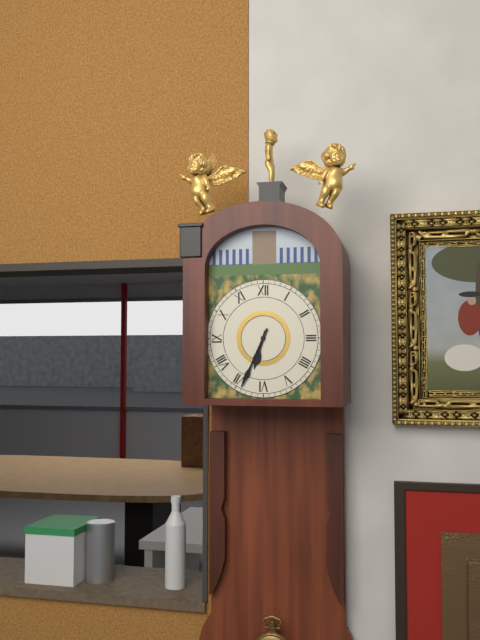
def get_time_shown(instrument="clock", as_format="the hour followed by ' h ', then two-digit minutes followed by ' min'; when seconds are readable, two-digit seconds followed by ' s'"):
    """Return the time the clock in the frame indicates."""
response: 6 h 34 min
